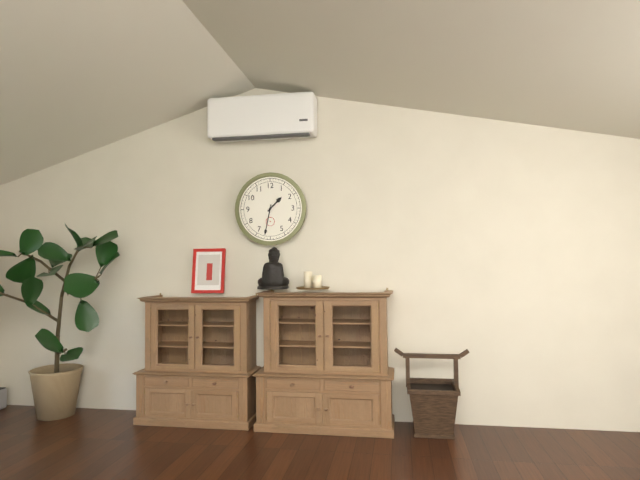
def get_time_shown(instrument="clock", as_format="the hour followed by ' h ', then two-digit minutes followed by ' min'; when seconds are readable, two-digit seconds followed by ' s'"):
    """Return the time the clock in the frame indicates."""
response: 1 h 32 min
